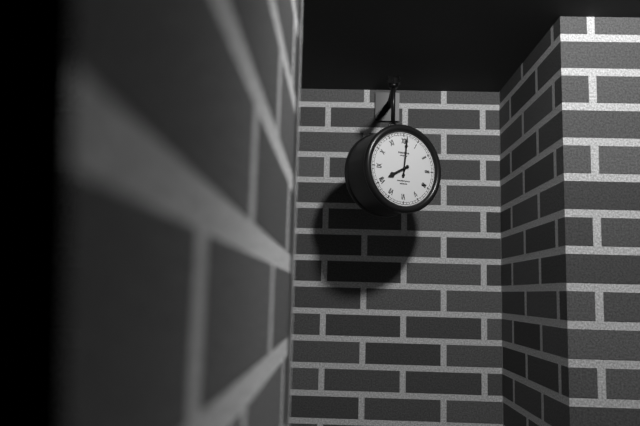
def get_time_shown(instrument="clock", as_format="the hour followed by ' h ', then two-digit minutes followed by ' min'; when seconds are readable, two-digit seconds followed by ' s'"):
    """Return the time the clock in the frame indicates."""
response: 8 h 01 min
